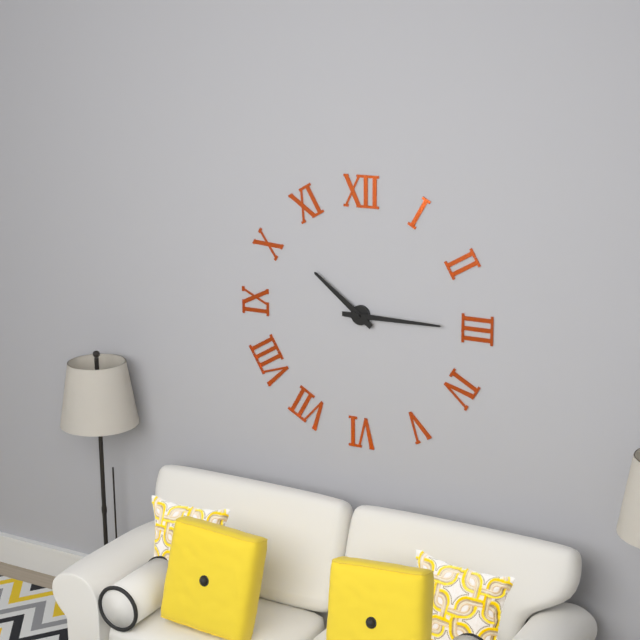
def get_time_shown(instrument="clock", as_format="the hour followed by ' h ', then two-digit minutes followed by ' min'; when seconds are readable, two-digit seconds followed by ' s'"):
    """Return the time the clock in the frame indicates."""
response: 10 h 15 min
